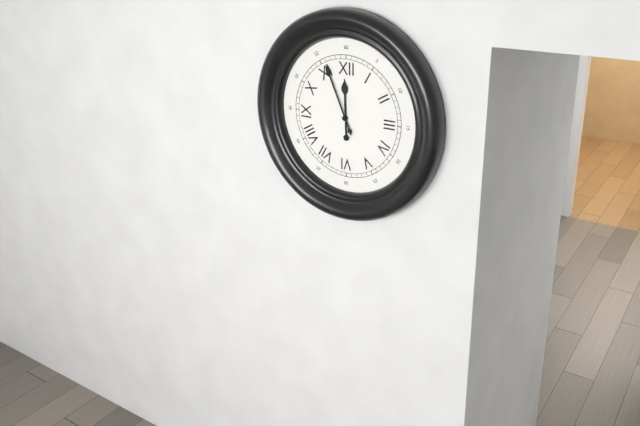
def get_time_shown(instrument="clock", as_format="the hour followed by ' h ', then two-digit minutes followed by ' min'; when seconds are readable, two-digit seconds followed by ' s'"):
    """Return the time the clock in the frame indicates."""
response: 11 h 56 min
